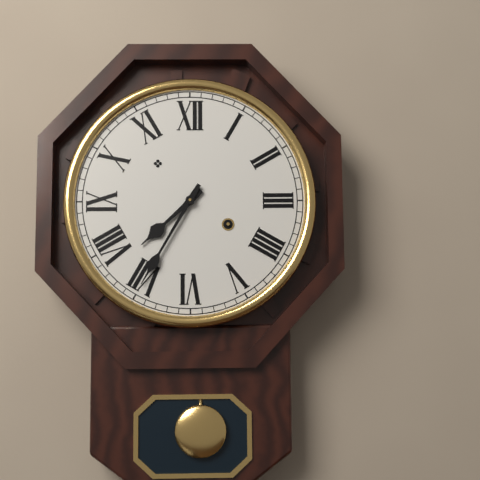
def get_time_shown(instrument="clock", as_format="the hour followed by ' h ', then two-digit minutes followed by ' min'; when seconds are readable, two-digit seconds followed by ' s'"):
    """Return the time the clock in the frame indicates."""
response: 7 h 35 min
